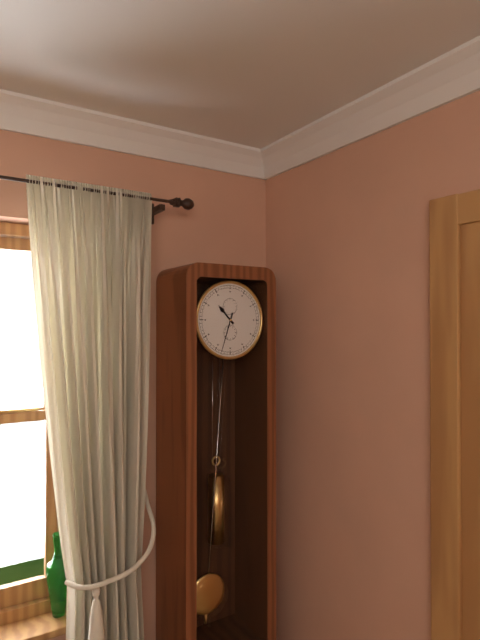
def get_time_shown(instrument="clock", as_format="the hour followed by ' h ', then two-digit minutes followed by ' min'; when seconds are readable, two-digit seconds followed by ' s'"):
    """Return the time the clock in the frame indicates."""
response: 10 h 33 min
